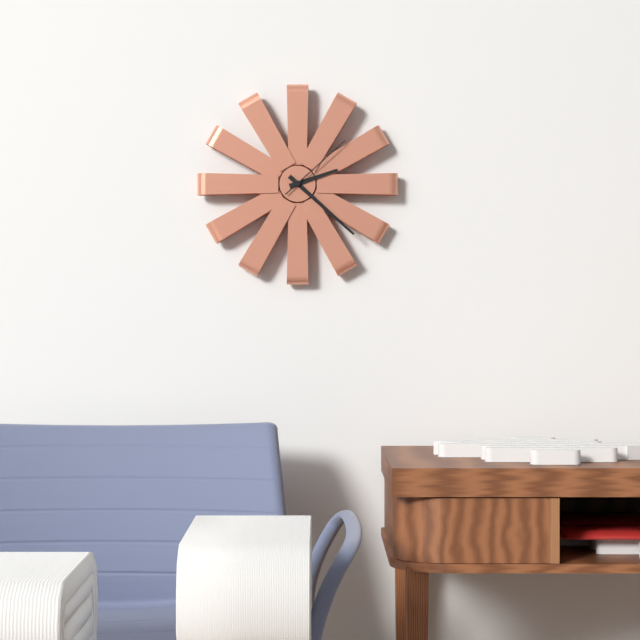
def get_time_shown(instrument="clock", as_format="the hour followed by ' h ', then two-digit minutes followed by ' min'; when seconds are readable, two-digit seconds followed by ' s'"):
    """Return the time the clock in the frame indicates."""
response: 2 h 22 min 08 s
